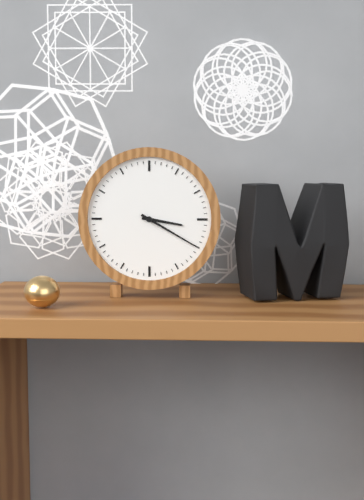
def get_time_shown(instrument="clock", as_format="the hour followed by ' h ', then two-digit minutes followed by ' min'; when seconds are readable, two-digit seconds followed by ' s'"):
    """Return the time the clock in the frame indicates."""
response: 3 h 20 min
